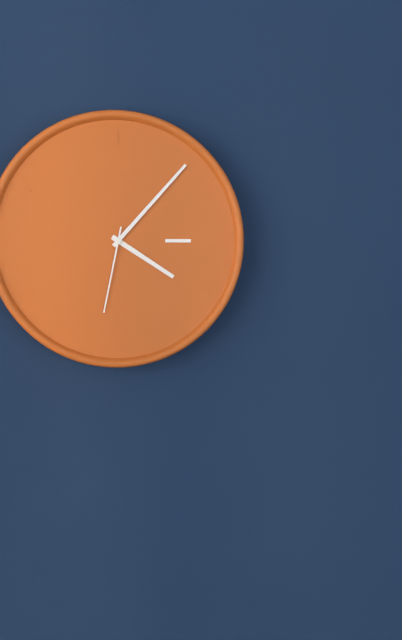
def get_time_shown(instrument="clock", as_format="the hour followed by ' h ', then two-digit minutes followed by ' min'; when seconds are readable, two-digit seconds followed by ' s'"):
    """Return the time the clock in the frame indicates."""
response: 4 h 07 min 32 s
